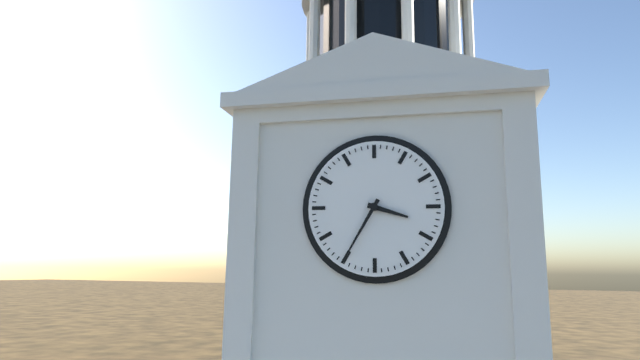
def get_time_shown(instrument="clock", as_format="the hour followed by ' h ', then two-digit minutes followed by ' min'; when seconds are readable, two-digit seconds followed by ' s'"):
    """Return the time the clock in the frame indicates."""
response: 3 h 35 min
